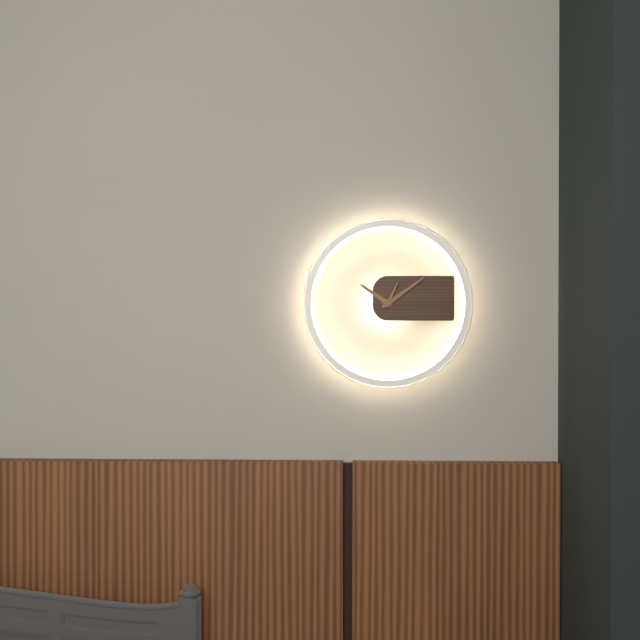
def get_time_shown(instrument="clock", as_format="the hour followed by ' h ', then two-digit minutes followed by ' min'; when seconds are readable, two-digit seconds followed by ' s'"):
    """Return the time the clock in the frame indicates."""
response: 10 h 09 min
